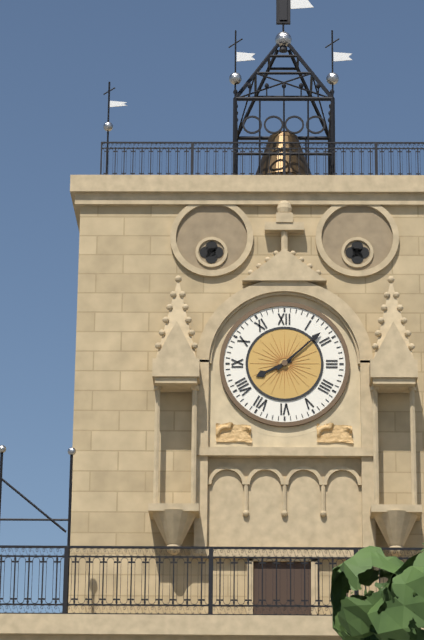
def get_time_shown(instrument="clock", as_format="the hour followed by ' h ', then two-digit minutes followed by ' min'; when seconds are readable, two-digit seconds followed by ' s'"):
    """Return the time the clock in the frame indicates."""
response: 8 h 08 min
